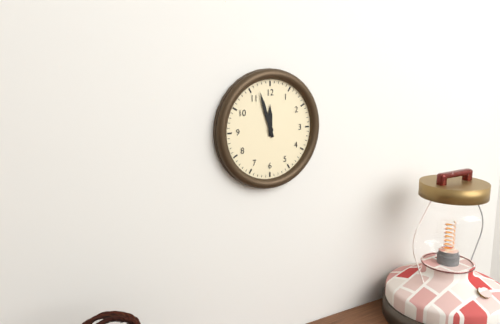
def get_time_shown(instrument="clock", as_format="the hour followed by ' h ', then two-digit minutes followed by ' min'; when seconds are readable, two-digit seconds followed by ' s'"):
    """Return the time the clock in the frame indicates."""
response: 11 h 57 min
